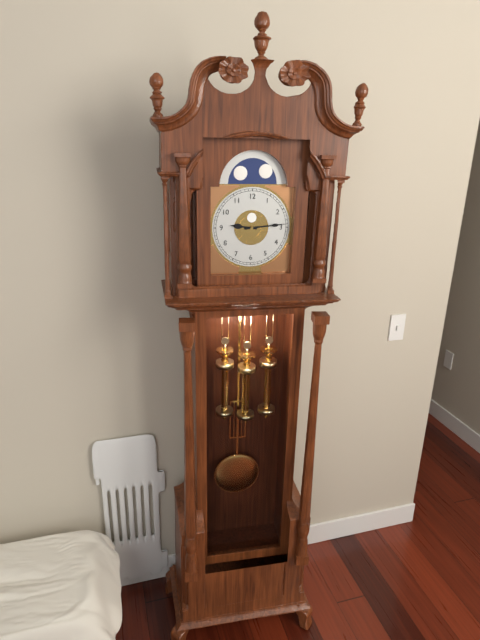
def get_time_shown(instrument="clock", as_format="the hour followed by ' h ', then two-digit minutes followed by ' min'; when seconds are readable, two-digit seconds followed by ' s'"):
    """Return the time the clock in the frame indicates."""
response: 9 h 14 min
